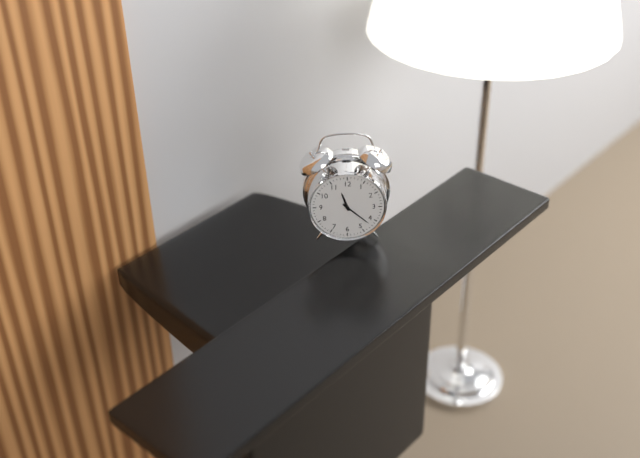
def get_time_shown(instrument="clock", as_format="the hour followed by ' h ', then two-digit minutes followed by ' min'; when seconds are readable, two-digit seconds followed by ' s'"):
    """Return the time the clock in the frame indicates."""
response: 11 h 22 min
